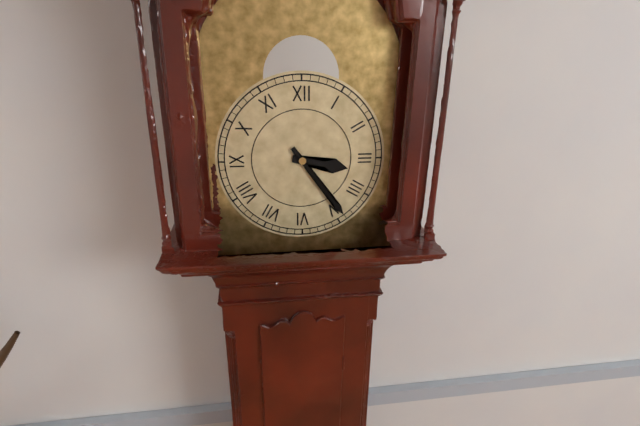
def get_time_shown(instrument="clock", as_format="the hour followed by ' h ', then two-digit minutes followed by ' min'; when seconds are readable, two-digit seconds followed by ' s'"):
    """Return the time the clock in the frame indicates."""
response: 3 h 24 min
